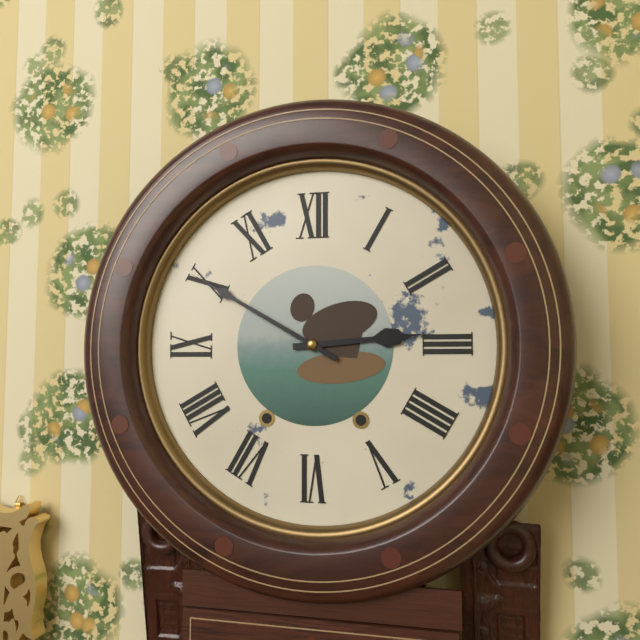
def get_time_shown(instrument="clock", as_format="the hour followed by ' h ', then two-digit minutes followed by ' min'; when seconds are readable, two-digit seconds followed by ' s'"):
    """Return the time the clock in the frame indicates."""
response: 2 h 50 min
